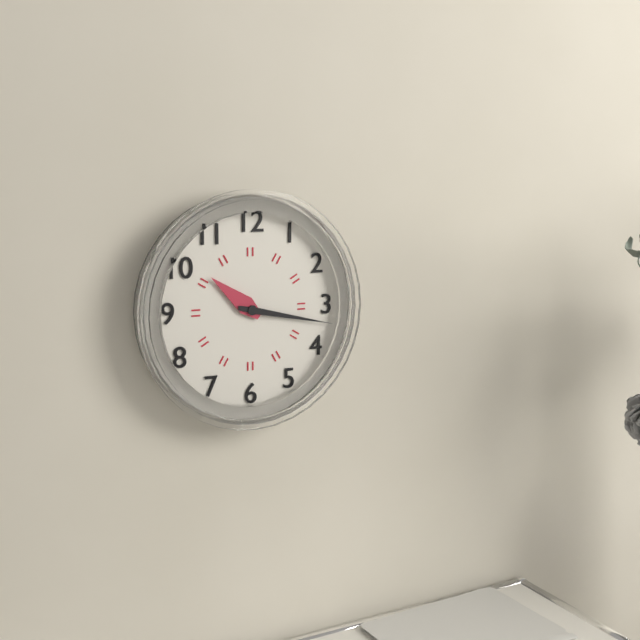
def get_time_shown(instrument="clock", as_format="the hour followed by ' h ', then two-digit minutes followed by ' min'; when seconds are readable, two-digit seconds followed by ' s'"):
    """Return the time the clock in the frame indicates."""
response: 10 h 17 min
